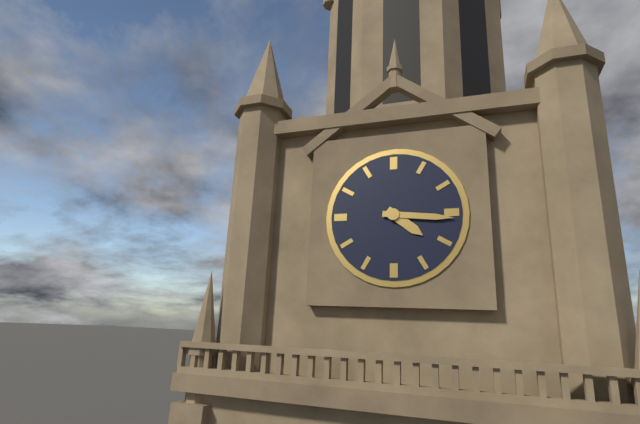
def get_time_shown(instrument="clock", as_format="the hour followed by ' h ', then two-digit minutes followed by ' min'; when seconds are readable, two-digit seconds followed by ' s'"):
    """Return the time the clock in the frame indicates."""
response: 4 h 16 min
